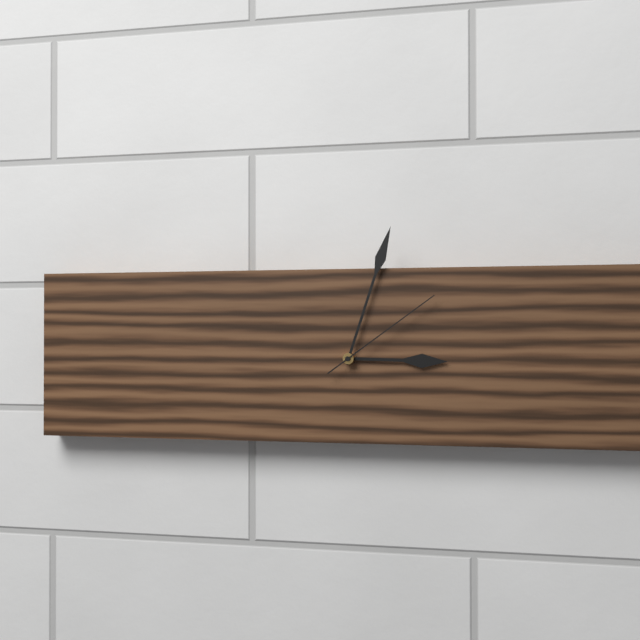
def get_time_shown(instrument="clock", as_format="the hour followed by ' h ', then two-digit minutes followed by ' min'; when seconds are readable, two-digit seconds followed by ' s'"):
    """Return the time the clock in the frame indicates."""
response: 3 h 03 min 09 s
